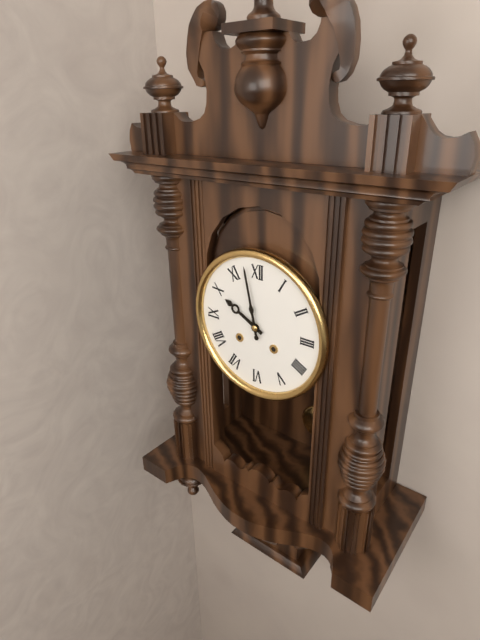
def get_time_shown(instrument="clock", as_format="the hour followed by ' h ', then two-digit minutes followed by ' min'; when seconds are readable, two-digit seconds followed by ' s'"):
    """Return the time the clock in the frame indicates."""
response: 9 h 58 min
